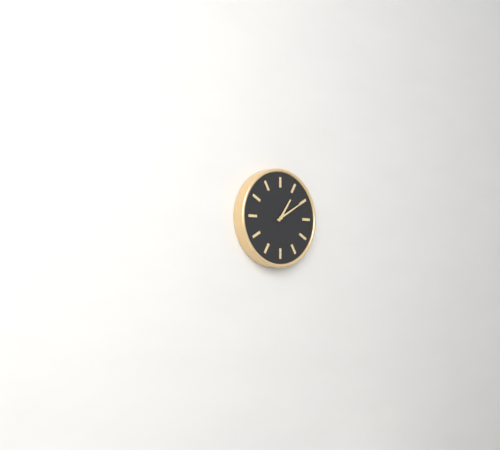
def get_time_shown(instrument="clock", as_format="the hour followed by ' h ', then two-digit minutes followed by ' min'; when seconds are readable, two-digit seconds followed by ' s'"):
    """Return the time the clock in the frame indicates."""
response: 1 h 10 min
